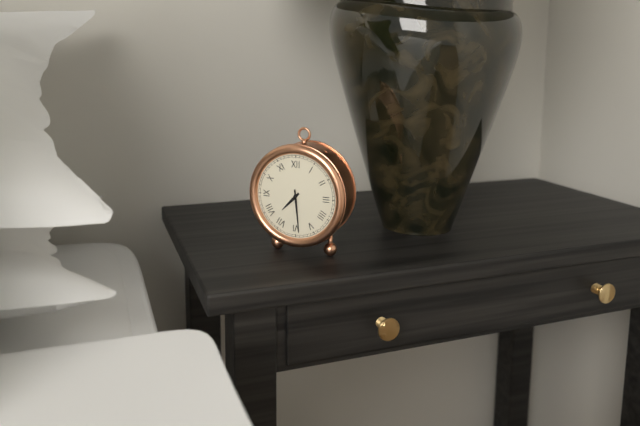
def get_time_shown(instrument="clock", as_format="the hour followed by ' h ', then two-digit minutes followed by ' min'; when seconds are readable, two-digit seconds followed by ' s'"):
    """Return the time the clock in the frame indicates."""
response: 7 h 29 min
